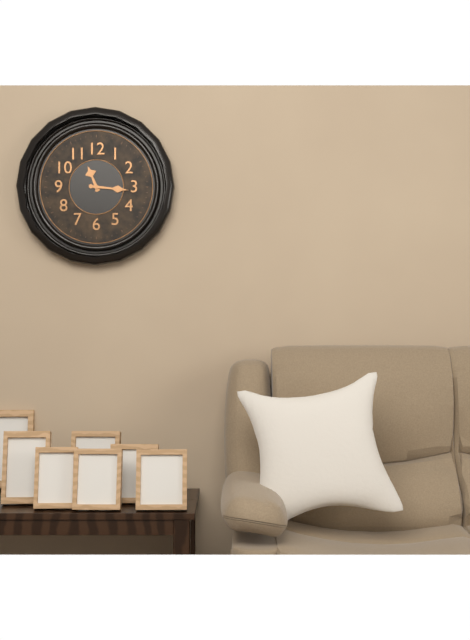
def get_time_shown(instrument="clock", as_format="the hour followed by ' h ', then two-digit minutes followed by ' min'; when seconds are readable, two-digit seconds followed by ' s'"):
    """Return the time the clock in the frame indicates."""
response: 11 h 16 min
